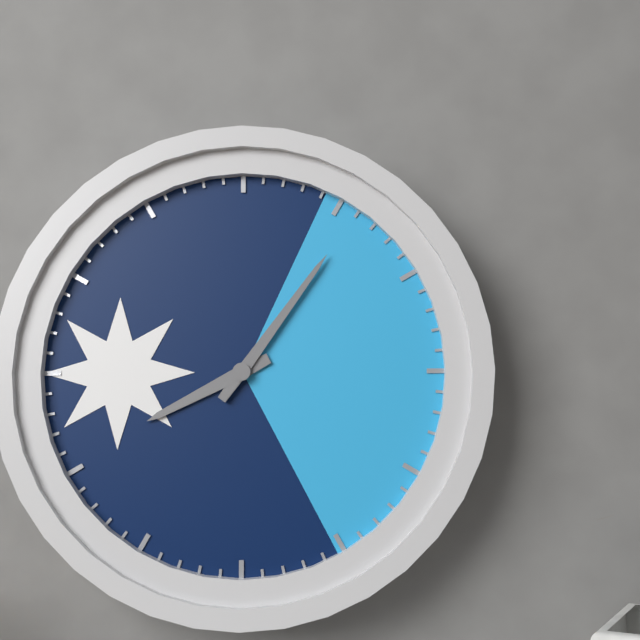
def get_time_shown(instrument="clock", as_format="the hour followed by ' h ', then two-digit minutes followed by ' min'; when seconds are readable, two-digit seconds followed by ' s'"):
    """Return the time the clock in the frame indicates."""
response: 8 h 06 min
